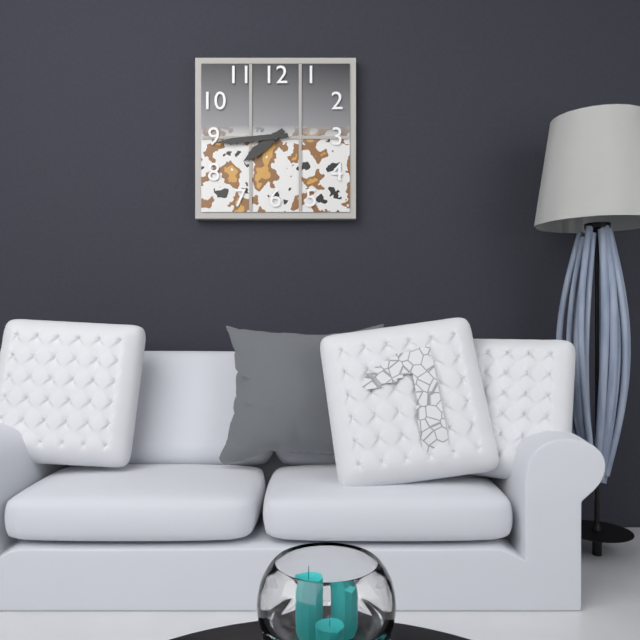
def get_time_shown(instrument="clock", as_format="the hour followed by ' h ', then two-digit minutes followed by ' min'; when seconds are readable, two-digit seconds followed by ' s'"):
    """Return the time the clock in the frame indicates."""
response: 7 h 44 min
